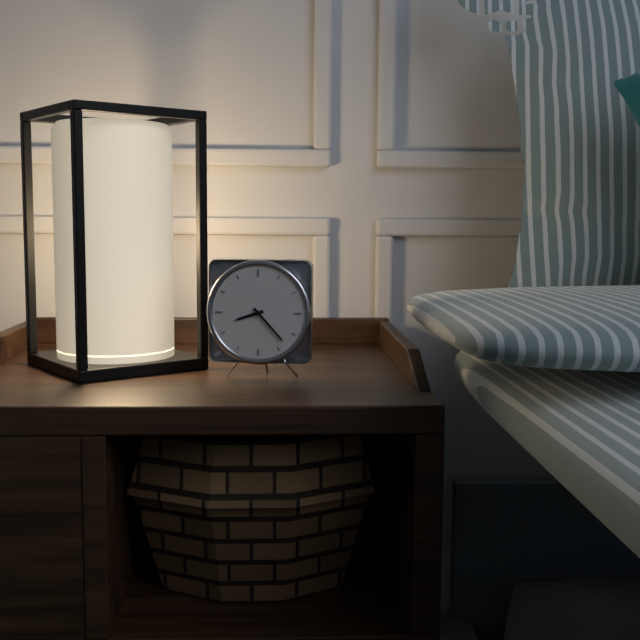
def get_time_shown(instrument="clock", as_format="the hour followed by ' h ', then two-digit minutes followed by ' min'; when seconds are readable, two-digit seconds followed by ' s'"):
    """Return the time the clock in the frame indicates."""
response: 8 h 23 min
